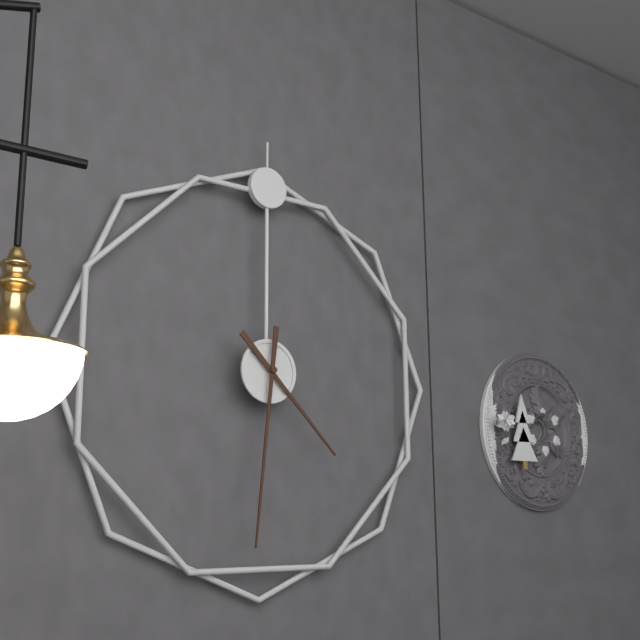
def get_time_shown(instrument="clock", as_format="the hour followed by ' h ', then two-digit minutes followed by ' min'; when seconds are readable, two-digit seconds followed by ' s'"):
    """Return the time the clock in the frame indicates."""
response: 4 h 31 min
